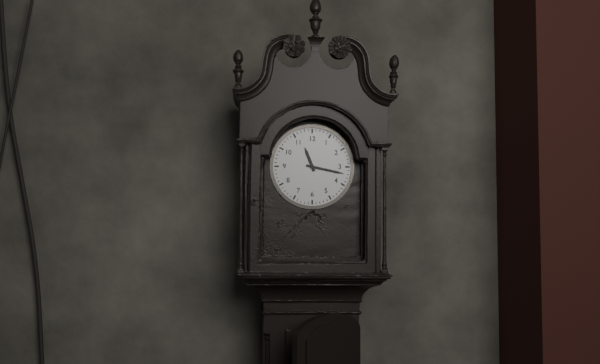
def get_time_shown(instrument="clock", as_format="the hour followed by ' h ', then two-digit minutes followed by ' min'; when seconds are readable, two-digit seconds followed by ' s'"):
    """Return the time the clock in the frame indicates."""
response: 11 h 17 min
